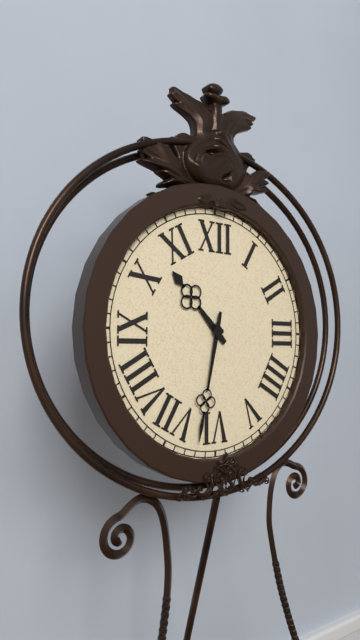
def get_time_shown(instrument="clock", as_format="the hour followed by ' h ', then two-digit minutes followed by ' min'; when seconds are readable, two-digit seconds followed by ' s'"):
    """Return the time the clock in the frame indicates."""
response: 10 h 32 min
